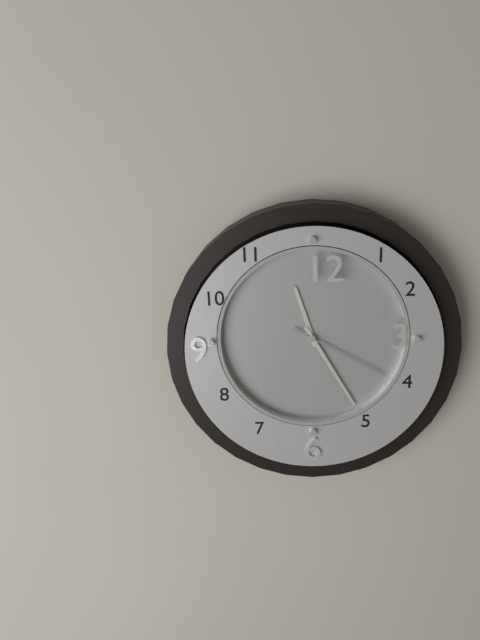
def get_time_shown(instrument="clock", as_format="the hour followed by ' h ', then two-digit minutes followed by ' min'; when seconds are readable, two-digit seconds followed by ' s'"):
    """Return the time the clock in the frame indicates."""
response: 11 h 25 min 20 s
